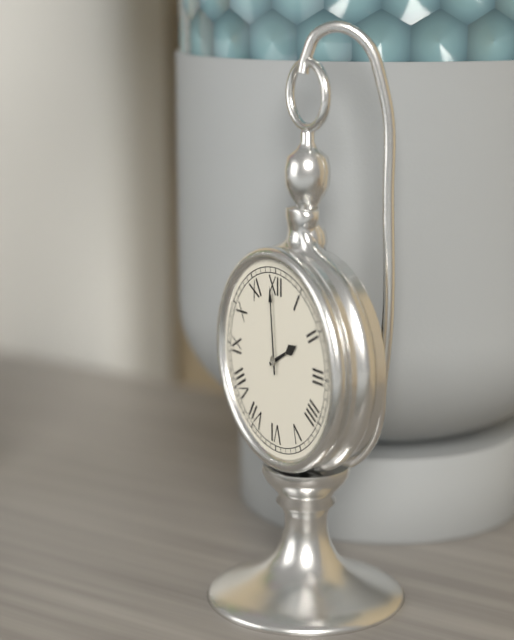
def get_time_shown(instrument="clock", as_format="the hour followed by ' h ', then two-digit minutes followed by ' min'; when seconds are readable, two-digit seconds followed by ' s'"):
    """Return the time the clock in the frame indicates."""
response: 1 h 59 min
